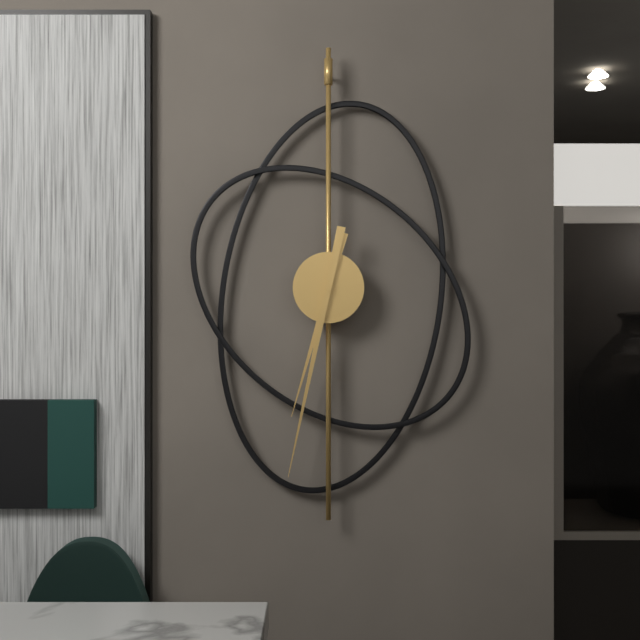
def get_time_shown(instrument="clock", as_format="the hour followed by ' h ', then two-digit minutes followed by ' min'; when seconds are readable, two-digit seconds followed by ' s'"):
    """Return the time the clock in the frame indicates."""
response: 6 h 32 min
